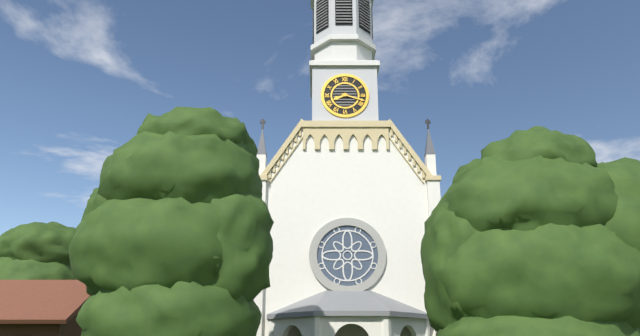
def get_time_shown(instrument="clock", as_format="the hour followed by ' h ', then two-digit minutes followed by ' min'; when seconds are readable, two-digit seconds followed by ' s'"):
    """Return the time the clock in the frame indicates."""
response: 8 h 18 min
